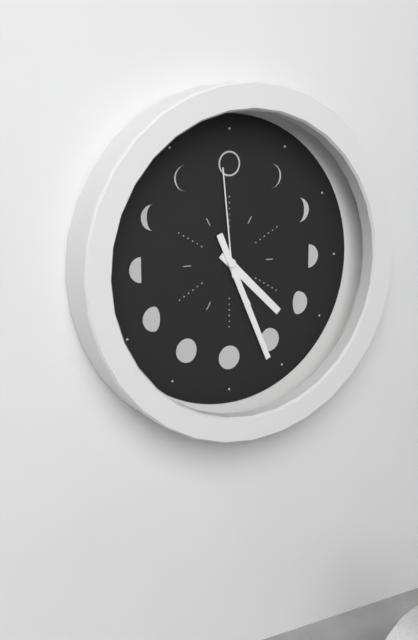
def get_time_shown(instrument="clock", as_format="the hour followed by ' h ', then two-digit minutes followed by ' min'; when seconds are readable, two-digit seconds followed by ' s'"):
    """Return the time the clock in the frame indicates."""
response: 4 h 26 min 59 s
